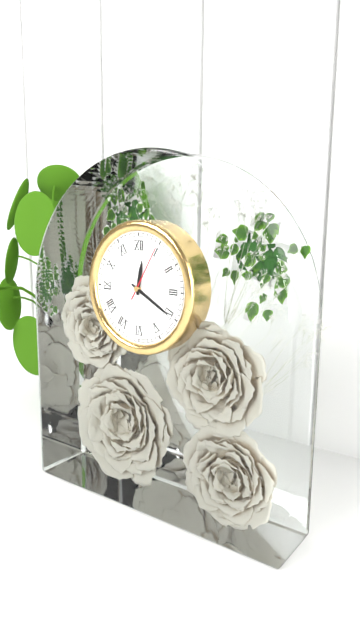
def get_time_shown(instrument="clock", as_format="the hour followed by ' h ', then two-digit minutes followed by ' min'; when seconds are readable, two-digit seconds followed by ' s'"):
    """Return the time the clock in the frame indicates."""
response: 12 h 20 min 05 s
